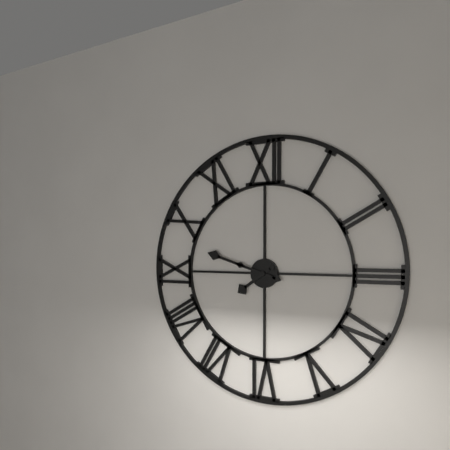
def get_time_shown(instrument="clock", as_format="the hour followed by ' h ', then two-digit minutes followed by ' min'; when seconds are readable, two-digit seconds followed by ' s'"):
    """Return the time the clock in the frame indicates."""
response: 7 h 48 min
